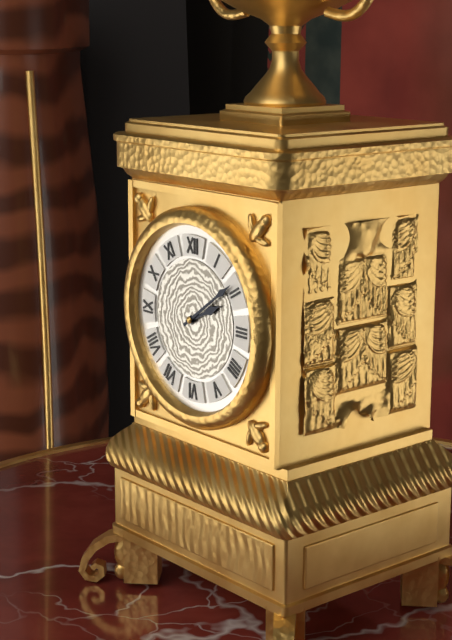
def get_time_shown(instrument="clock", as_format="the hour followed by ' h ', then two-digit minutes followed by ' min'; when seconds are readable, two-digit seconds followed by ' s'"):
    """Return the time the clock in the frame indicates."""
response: 2 h 09 min
